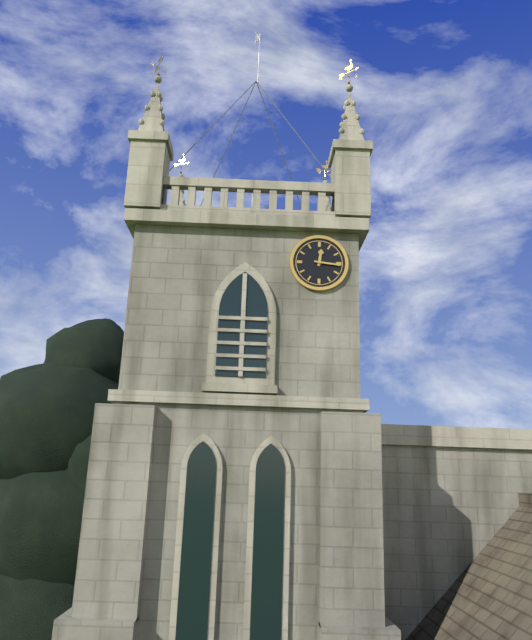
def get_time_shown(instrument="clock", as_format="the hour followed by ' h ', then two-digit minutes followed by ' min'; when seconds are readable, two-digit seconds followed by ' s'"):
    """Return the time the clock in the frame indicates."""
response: 12 h 16 min
